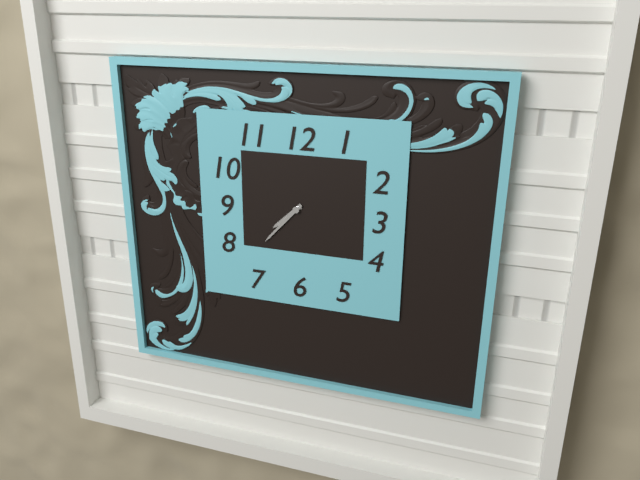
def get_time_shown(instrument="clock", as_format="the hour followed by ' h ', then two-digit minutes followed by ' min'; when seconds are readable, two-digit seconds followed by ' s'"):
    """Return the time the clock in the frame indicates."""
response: 7 h 37 min
